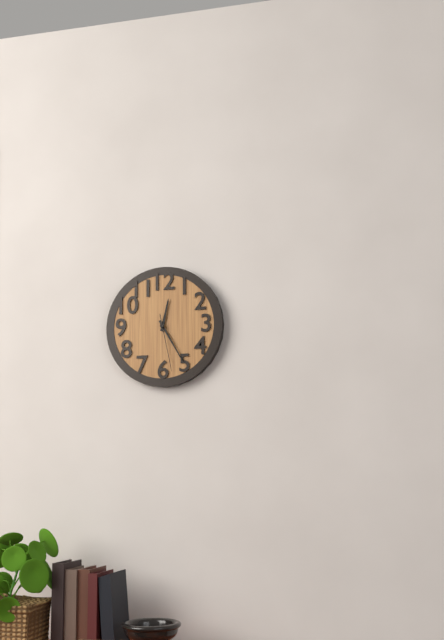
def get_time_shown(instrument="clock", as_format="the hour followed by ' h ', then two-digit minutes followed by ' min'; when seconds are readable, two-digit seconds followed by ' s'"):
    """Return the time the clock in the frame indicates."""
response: 12 h 25 min 28 s
